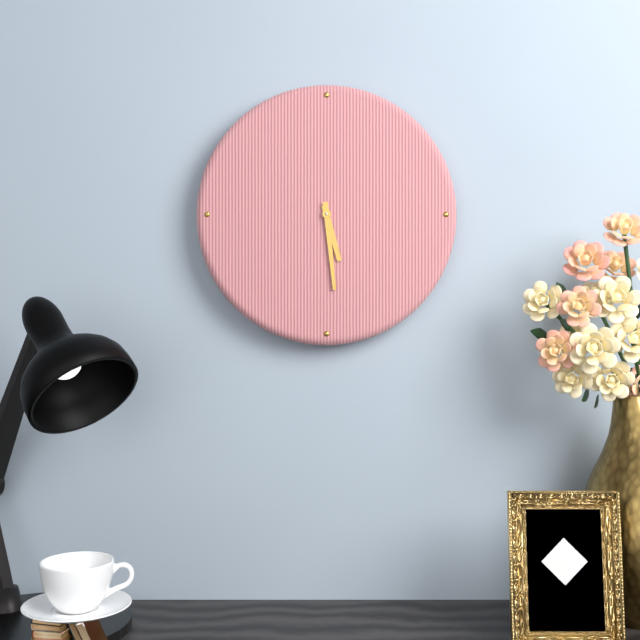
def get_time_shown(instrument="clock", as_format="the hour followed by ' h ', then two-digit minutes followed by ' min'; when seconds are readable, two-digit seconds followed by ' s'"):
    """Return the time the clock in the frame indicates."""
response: 5 h 29 min
